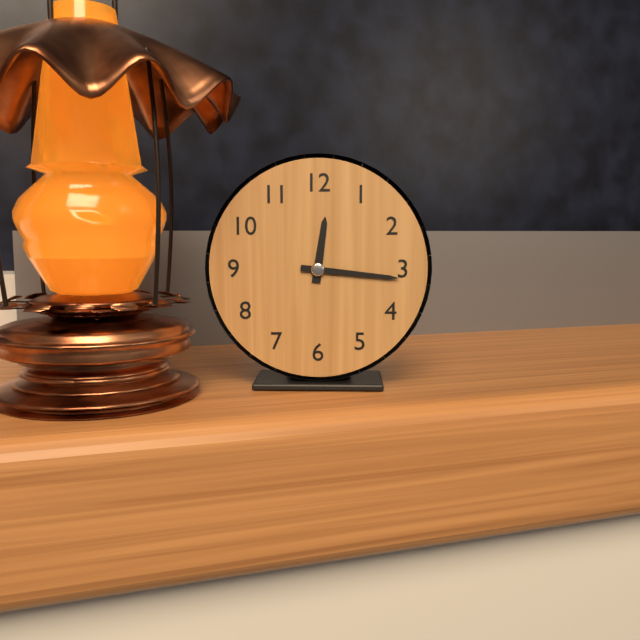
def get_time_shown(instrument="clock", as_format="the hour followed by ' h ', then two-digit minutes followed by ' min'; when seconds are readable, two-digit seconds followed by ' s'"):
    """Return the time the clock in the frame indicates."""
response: 12 h 16 min
